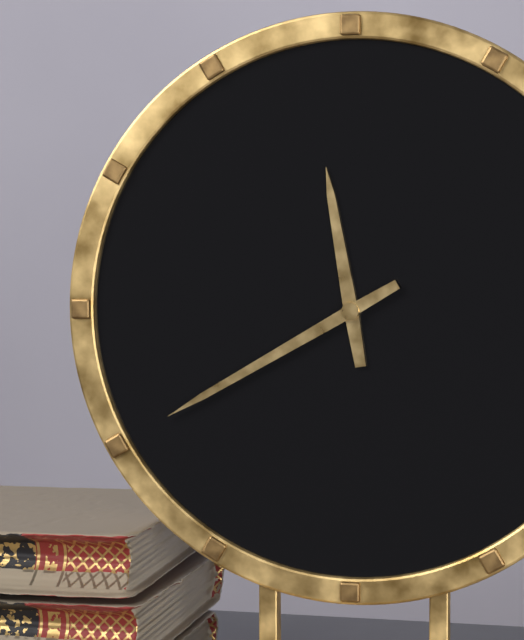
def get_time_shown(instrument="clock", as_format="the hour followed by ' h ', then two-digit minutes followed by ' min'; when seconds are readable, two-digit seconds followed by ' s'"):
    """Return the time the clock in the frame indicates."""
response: 11 h 40 min
